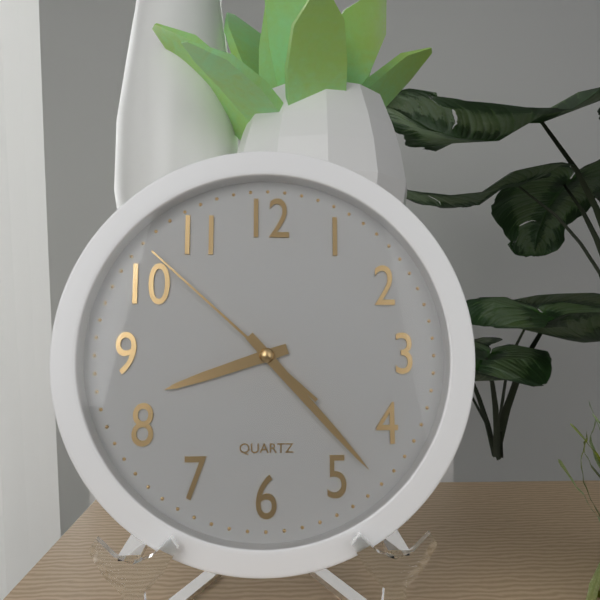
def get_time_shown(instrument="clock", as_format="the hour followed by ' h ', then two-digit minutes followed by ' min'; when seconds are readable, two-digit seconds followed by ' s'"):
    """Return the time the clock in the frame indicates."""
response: 8 h 23 min 52 s
